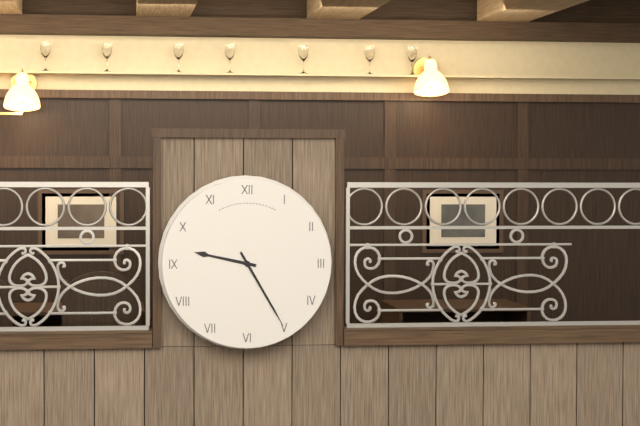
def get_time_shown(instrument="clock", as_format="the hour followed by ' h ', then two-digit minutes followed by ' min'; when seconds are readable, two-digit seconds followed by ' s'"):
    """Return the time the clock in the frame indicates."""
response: 9 h 25 min
